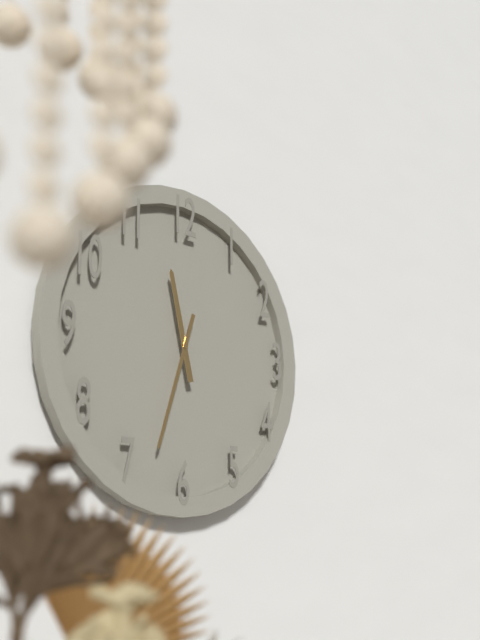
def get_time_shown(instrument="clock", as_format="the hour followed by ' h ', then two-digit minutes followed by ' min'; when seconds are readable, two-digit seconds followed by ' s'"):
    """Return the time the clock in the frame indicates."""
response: 11 h 33 min
